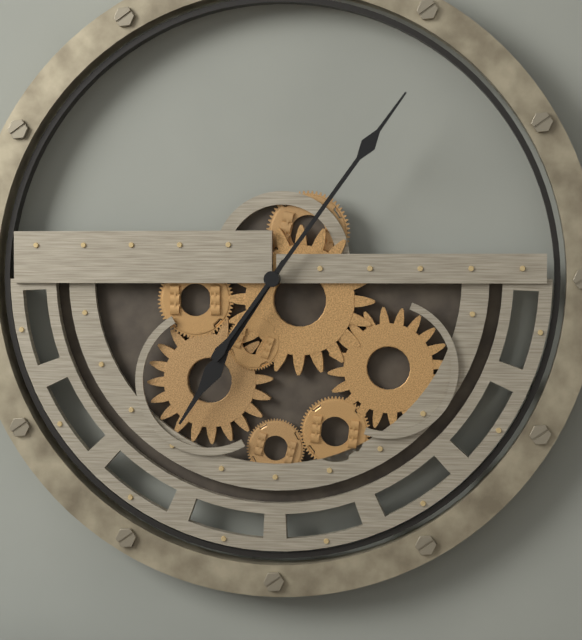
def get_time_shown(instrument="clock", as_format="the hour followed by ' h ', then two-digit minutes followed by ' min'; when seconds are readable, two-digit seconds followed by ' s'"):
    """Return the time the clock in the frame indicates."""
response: 7 h 06 min
